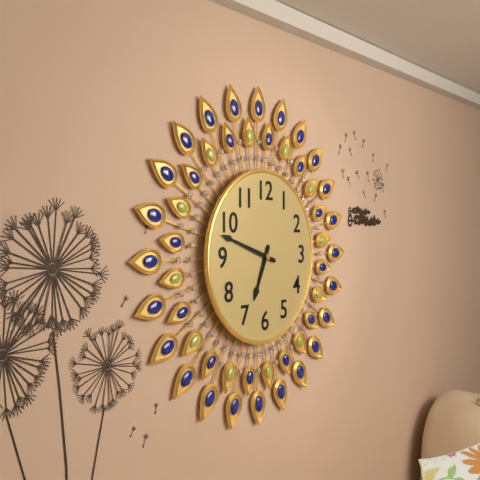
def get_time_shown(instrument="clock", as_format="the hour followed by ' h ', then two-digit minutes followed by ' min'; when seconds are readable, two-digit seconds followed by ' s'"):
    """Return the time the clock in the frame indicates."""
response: 6 h 48 min
